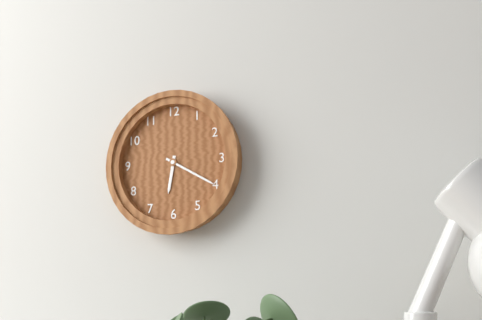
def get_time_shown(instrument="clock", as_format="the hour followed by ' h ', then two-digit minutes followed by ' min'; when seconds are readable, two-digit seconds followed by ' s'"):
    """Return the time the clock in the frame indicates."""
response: 6 h 20 min
